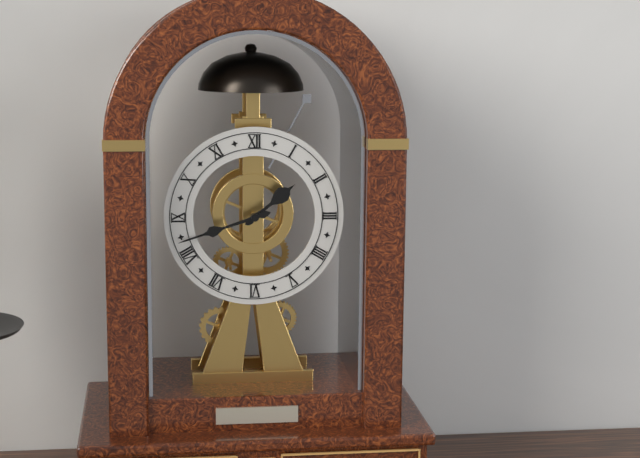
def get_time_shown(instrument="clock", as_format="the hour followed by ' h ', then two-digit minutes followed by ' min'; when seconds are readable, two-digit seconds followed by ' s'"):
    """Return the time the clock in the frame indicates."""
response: 1 h 42 min
